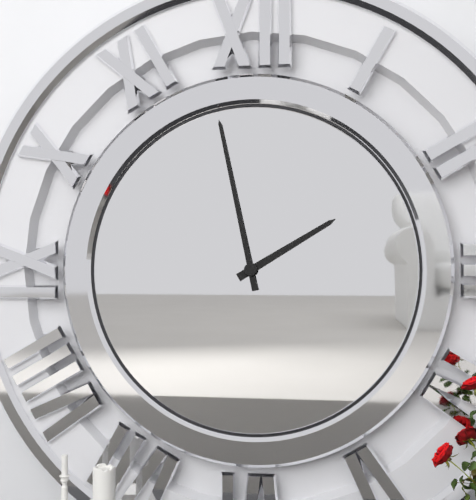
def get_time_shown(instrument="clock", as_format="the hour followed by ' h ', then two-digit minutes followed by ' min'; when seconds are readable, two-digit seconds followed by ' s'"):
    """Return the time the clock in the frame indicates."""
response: 1 h 58 min
